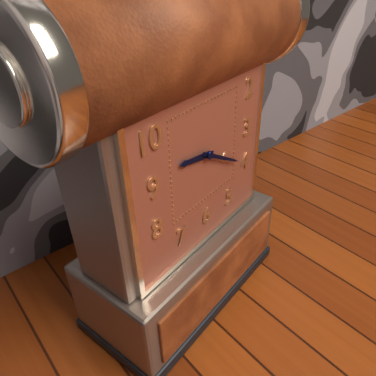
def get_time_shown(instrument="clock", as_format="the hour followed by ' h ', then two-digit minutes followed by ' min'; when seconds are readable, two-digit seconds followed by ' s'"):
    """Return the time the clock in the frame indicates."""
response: 9 h 20 min
